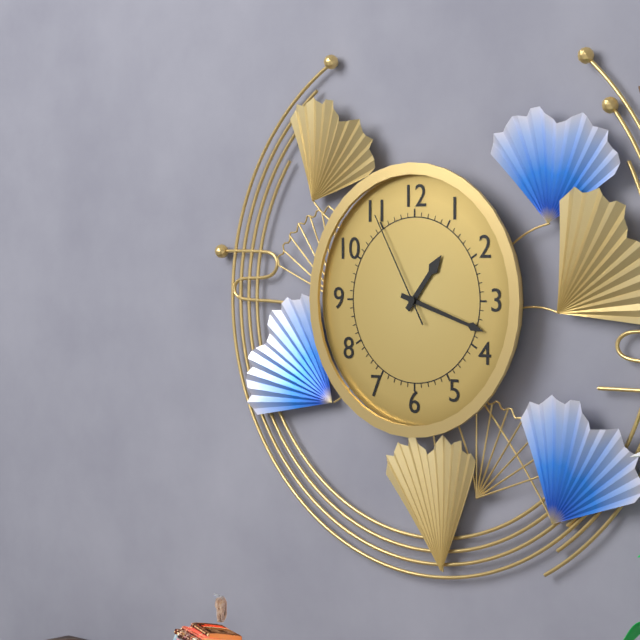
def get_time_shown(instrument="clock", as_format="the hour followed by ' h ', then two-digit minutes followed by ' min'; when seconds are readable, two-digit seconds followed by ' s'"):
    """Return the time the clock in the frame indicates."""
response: 1 h 18 min 55 s
